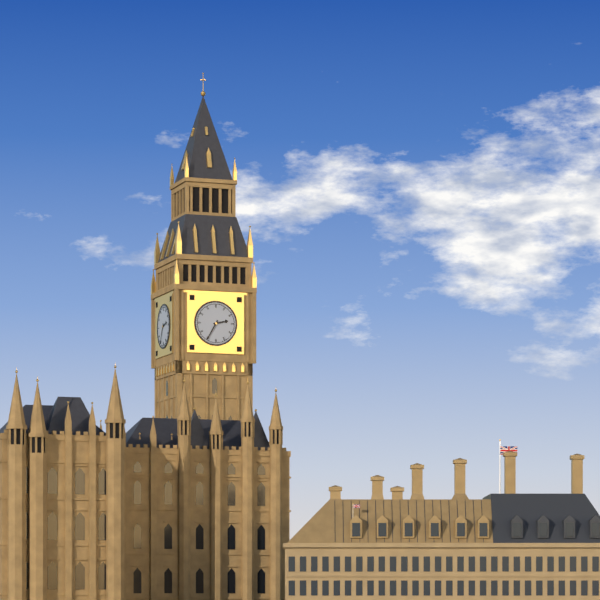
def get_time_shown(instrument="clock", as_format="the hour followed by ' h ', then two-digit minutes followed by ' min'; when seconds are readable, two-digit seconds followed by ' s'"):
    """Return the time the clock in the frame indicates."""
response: 2 h 35 min
